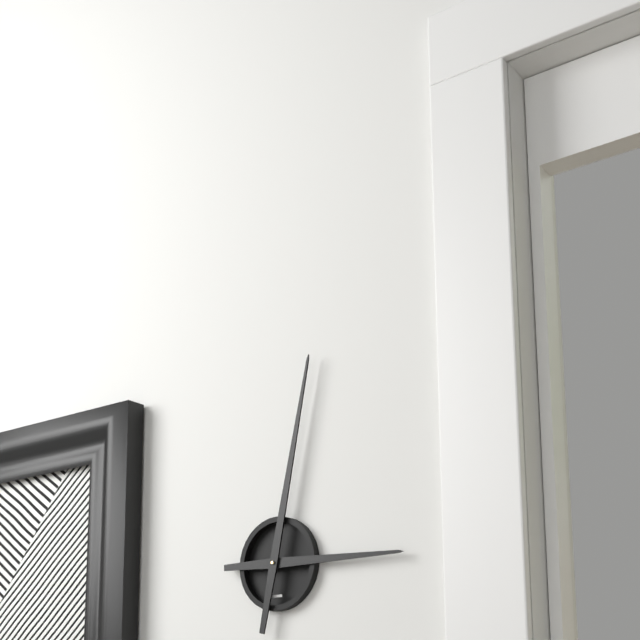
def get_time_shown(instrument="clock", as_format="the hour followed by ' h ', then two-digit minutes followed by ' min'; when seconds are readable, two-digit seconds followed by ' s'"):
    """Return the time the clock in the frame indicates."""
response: 3 h 02 min
